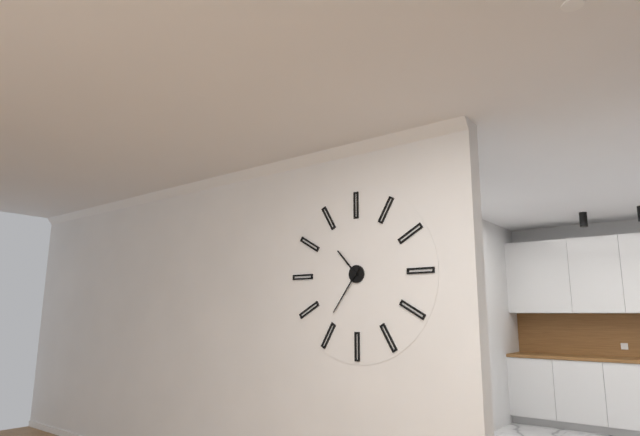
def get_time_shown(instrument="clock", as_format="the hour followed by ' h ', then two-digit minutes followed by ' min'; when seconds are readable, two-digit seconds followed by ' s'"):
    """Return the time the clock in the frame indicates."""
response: 10 h 36 min
